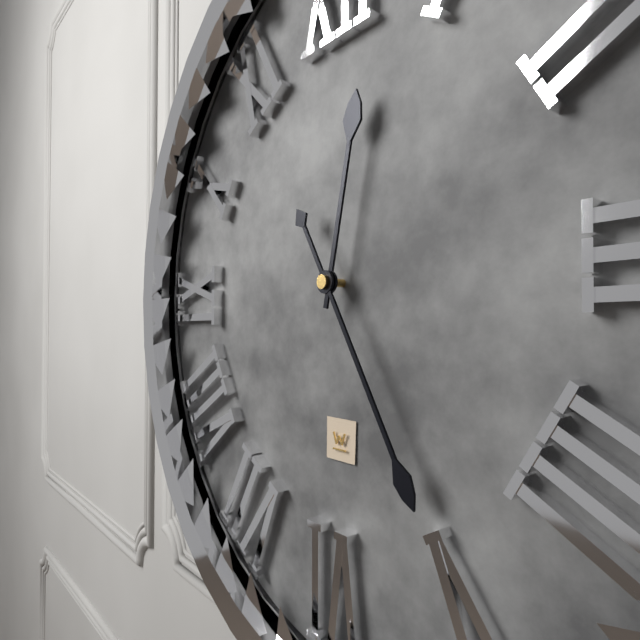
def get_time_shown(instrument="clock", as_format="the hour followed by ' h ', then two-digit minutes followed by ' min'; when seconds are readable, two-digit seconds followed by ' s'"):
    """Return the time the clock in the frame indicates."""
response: 12 h 25 min
